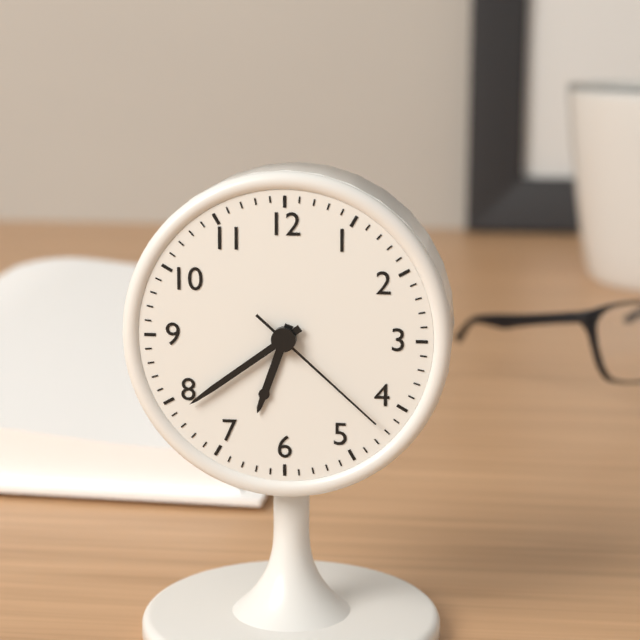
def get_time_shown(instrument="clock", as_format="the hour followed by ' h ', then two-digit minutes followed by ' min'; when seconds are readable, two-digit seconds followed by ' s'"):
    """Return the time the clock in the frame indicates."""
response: 6 h 39 min 22 s
